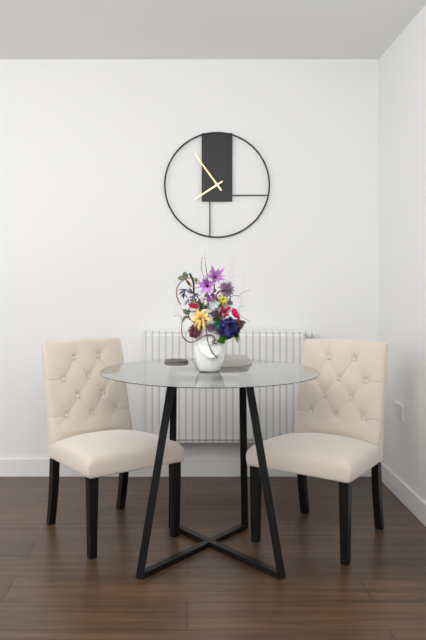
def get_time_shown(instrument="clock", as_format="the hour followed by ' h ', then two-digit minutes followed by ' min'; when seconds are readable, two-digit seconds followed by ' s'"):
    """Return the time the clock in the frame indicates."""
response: 7 h 54 min
